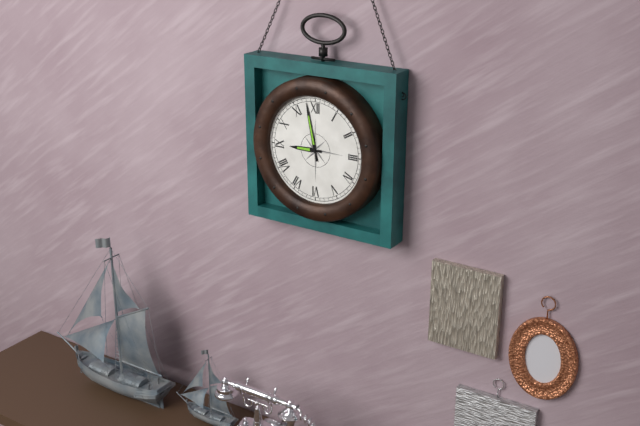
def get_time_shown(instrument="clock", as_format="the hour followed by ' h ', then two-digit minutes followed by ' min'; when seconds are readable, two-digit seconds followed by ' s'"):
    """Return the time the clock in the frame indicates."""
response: 8 h 58 min
